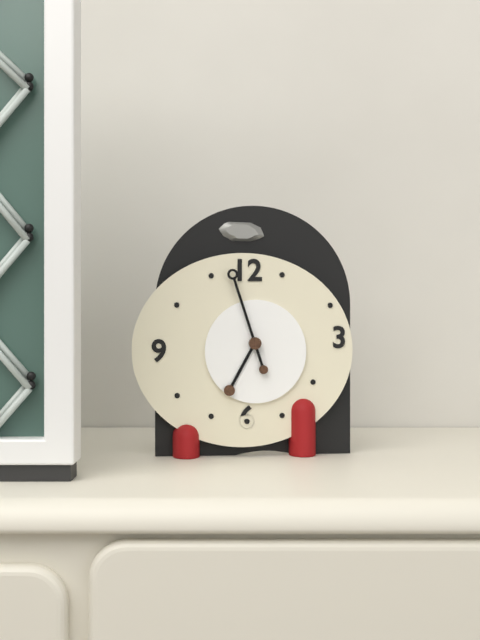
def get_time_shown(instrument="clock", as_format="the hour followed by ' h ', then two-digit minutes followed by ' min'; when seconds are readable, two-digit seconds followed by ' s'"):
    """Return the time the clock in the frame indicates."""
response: 6 h 57 min
